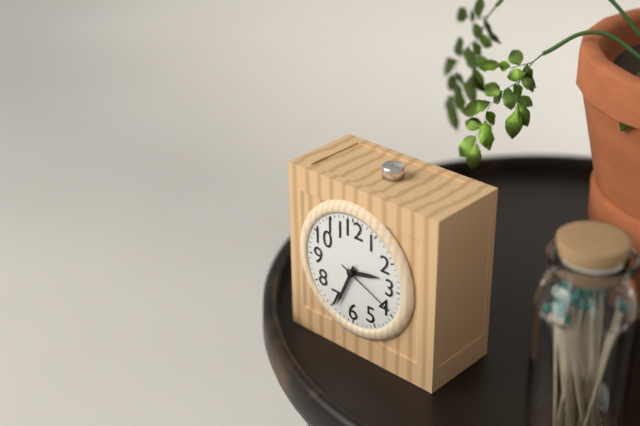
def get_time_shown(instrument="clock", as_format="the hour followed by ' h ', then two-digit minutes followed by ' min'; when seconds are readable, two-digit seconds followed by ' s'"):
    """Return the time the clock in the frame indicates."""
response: 2 h 34 min 19 s
